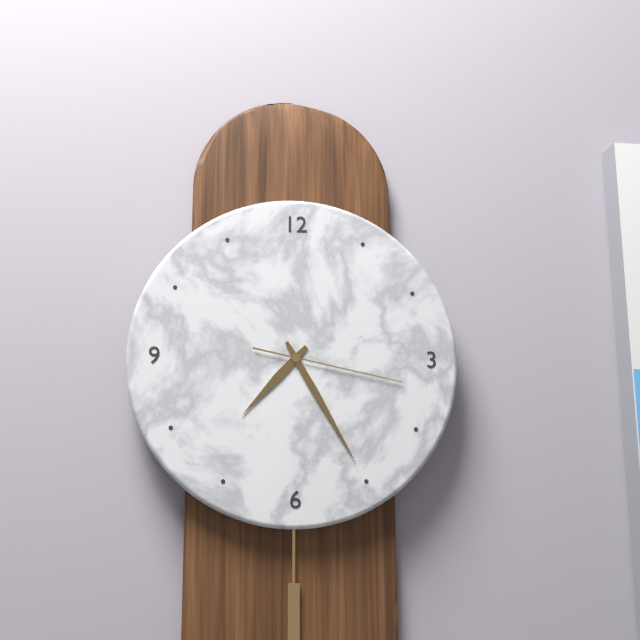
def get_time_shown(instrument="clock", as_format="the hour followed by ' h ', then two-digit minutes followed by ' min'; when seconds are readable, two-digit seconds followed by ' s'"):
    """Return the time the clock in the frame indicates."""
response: 7 h 25 min 17 s
